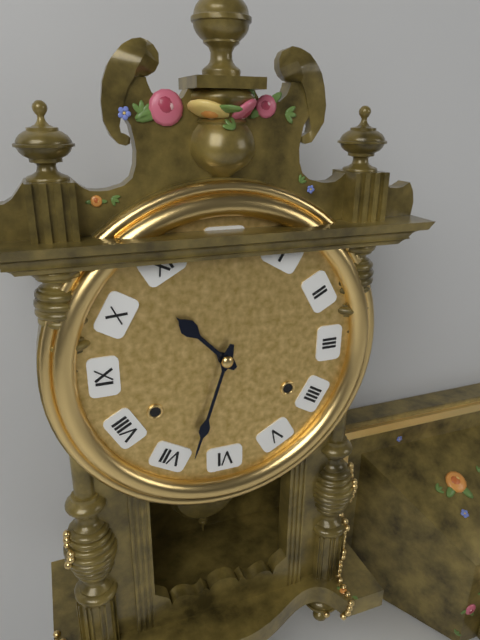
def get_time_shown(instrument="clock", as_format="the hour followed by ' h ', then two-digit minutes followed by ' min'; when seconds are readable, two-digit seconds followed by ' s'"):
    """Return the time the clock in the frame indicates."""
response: 10 h 33 min
